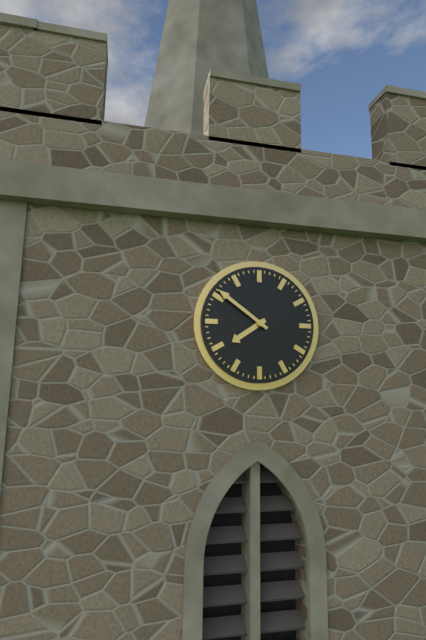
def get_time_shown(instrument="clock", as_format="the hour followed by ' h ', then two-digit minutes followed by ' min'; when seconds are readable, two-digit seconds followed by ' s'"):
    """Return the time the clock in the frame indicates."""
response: 7 h 51 min
